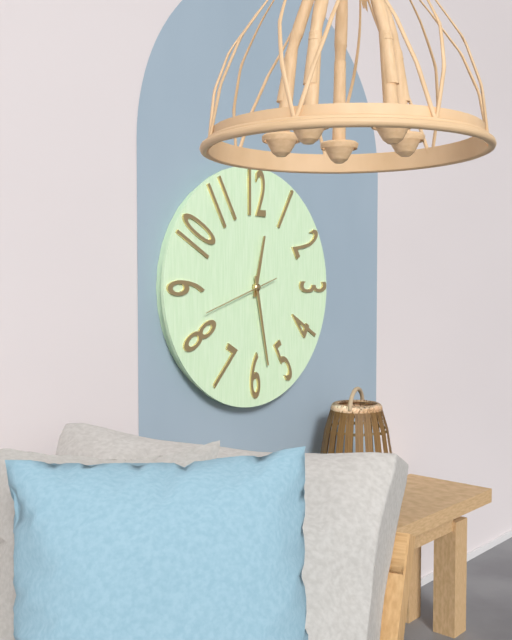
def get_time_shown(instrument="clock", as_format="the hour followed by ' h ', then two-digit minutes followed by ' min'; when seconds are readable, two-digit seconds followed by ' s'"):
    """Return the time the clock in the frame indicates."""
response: 12 h 28 min 42 s
